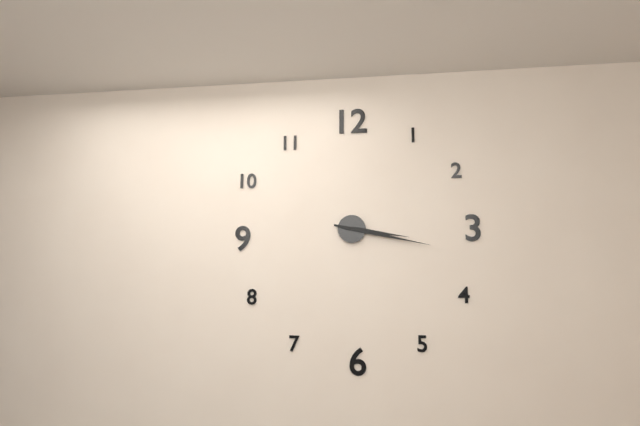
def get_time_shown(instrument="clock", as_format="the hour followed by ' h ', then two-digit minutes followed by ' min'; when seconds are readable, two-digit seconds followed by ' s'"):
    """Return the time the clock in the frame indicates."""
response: 3 h 17 min
